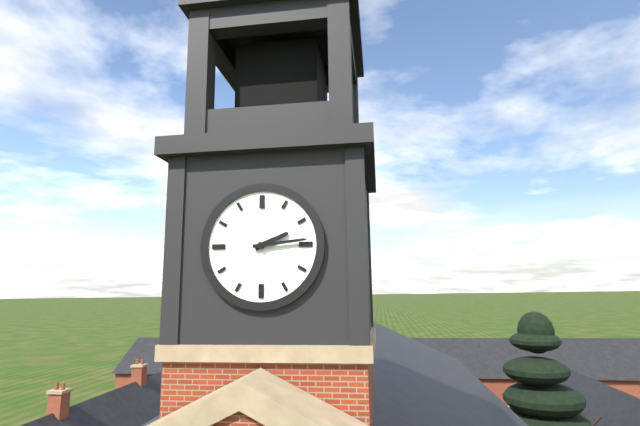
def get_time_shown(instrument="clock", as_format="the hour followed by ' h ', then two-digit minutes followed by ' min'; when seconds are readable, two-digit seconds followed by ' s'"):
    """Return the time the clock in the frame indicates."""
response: 2 h 14 min
